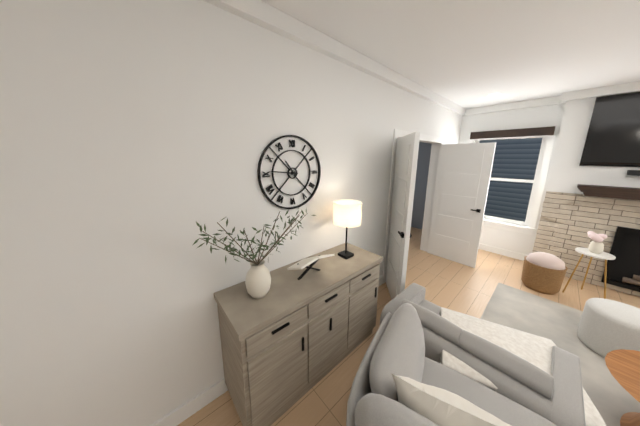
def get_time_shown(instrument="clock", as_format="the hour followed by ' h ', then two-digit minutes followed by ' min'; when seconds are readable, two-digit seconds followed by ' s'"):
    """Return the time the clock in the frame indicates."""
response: 10 h 46 min
